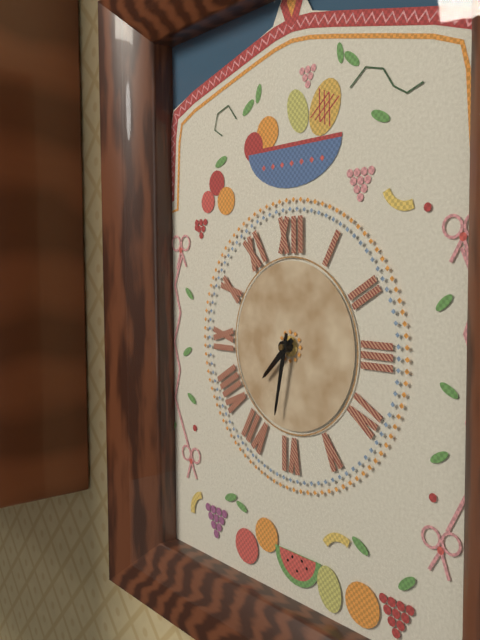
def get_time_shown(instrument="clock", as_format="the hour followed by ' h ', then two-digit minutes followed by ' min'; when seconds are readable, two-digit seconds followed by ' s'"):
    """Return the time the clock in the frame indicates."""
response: 7 h 32 min
